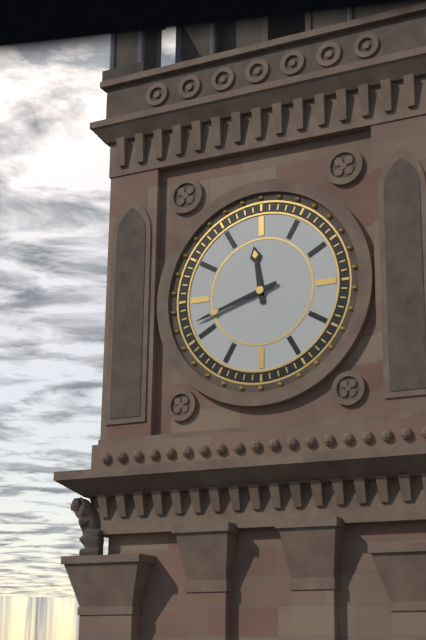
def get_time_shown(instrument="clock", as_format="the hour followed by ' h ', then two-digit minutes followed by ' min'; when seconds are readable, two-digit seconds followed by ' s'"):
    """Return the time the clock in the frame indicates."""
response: 11 h 42 min
